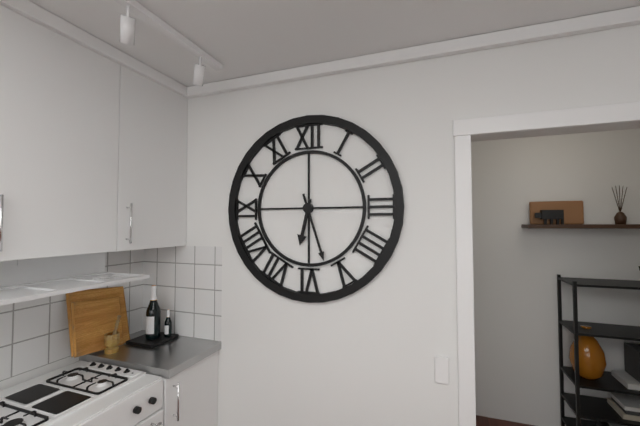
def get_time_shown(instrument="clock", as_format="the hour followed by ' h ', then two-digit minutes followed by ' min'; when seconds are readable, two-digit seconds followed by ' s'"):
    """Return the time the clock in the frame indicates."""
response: 6 h 27 min
